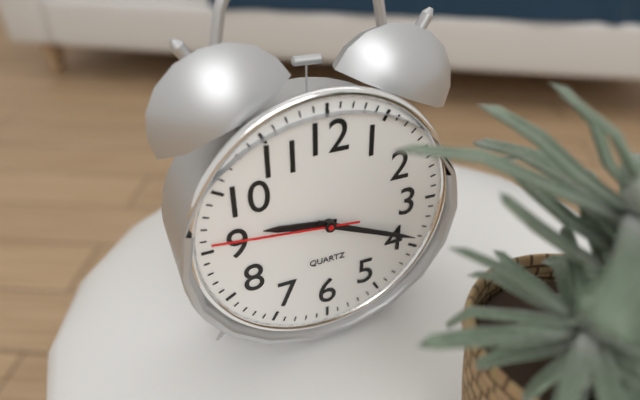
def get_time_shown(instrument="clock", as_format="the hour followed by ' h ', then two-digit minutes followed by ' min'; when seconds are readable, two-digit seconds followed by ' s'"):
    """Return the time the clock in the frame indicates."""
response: 9 h 19 min 46 s
